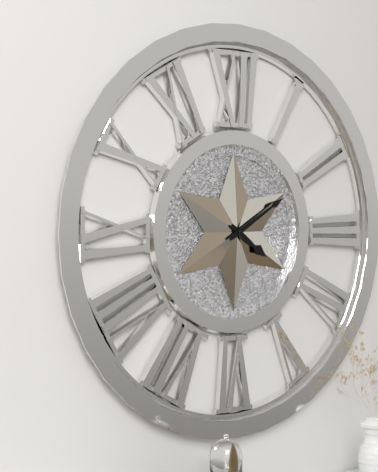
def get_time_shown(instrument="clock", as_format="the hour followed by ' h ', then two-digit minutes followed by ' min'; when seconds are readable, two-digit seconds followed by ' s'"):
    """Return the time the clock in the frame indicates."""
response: 4 h 10 min
